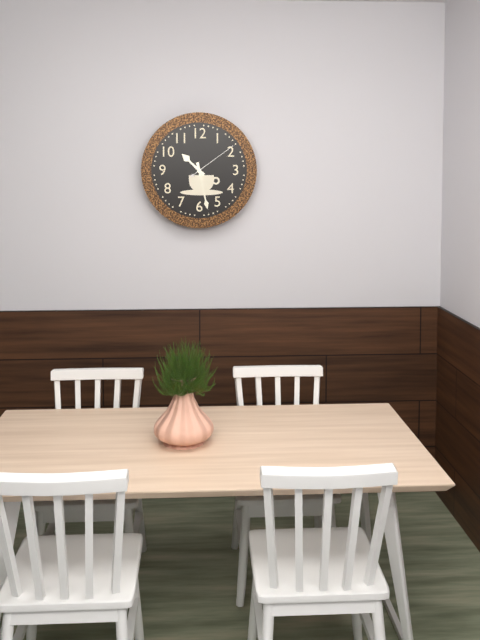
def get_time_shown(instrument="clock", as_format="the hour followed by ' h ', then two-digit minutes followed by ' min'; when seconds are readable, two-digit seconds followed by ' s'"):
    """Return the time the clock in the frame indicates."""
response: 10 h 28 min 09 s
